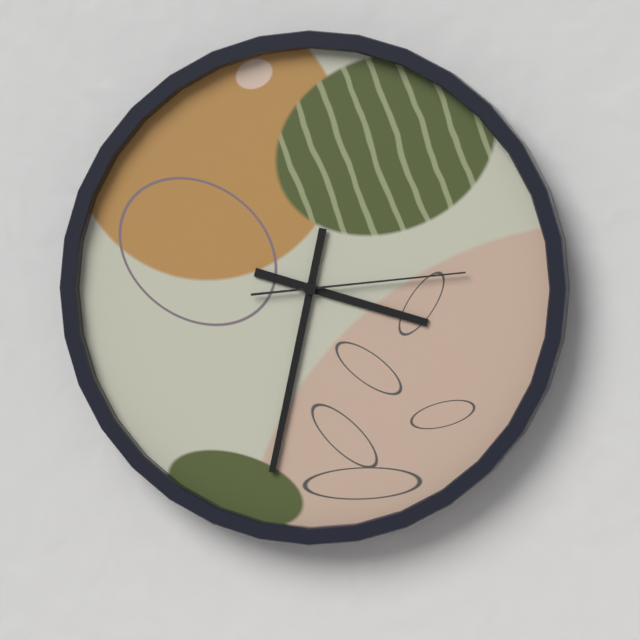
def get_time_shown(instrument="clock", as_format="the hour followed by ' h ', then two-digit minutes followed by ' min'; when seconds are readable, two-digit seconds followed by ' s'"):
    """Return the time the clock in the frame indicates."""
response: 3 h 32 min 14 s
